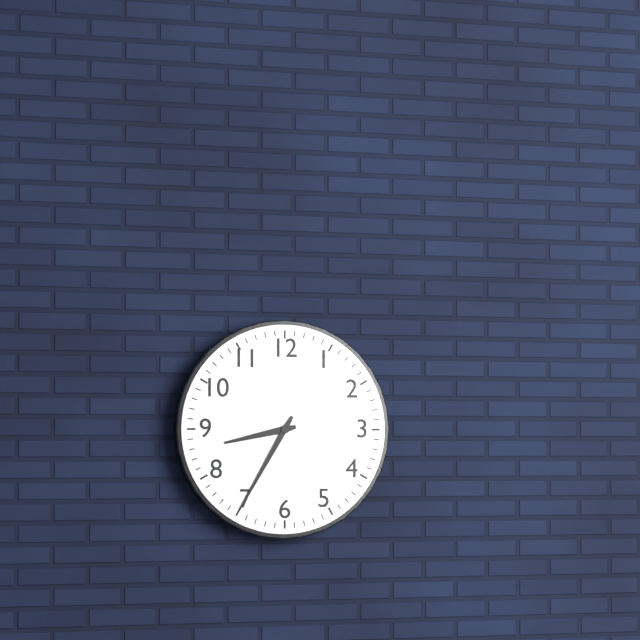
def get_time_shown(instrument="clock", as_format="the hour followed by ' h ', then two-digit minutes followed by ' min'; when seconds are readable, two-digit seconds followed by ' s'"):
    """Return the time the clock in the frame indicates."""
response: 8 h 35 min
